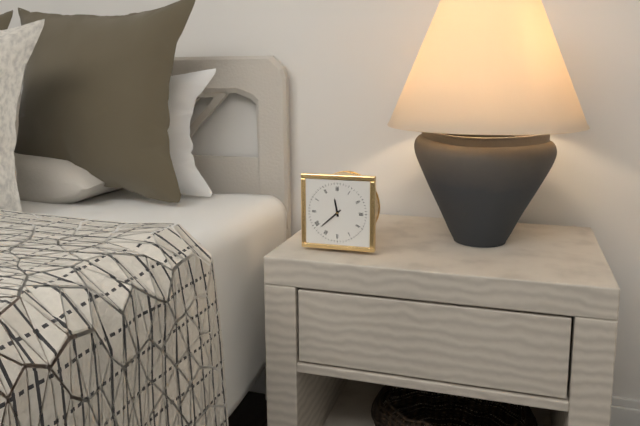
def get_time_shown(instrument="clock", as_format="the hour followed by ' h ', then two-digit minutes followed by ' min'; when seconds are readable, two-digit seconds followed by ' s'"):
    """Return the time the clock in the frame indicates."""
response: 11 h 38 min
